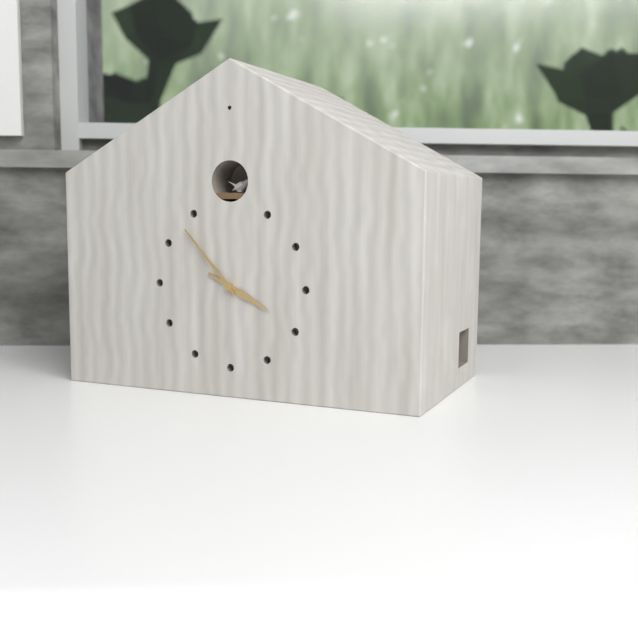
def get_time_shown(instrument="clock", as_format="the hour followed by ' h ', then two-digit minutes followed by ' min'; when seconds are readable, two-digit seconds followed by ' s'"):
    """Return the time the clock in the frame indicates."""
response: 3 h 53 min
